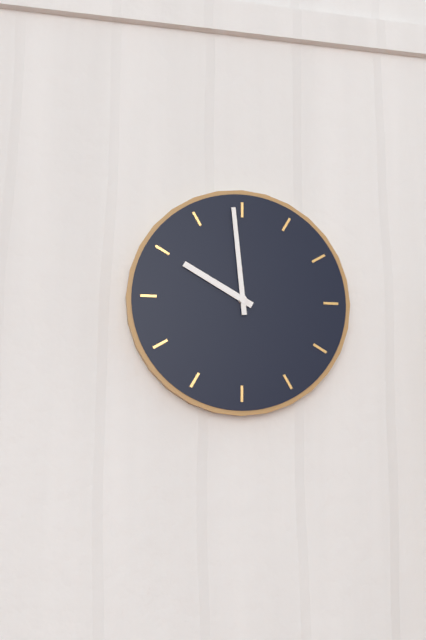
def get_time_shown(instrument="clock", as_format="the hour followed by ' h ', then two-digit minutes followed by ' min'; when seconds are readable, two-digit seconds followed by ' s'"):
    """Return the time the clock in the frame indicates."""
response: 9 h 59 min
